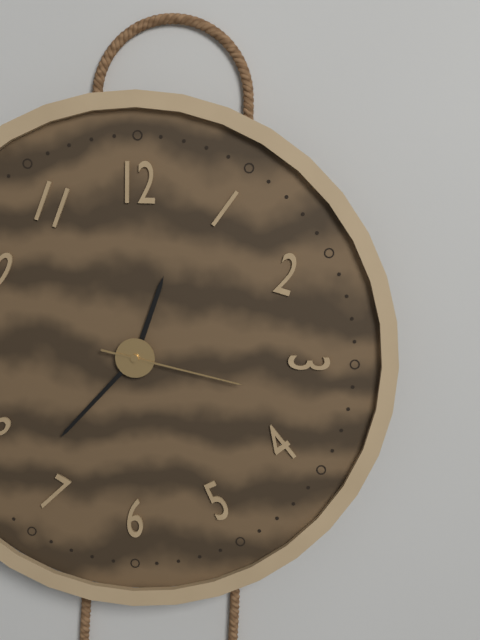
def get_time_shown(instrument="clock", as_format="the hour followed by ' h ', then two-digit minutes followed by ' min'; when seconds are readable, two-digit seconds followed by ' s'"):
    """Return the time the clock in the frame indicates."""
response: 12 h 37 min 17 s
